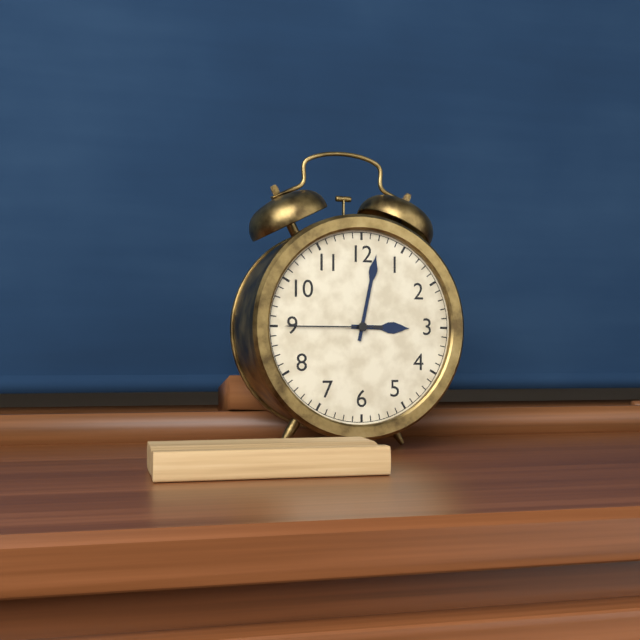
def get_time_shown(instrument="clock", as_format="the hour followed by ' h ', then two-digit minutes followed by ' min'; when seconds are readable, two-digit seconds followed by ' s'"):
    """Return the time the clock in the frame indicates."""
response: 3 h 02 min 45 s
